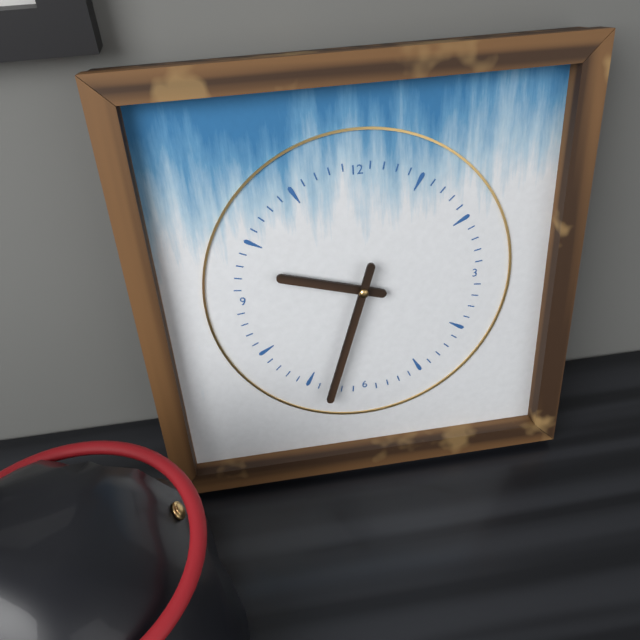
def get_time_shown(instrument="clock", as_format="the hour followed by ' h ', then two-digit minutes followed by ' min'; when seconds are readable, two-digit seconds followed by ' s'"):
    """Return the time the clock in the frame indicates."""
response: 9 h 33 min
